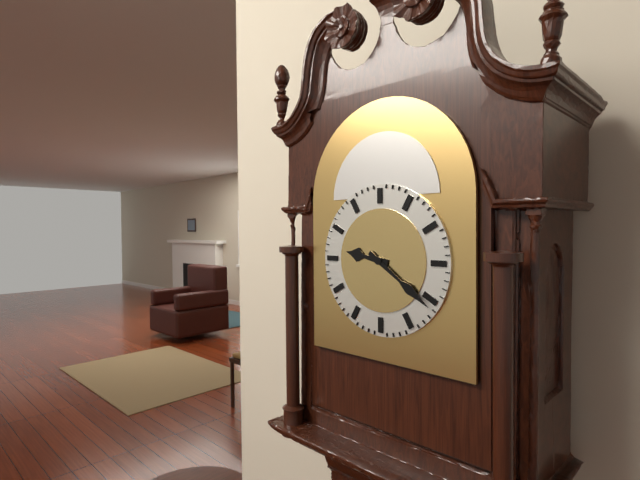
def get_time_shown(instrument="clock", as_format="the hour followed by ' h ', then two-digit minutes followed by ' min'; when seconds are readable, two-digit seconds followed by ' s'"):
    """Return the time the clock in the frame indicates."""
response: 9 h 21 min
